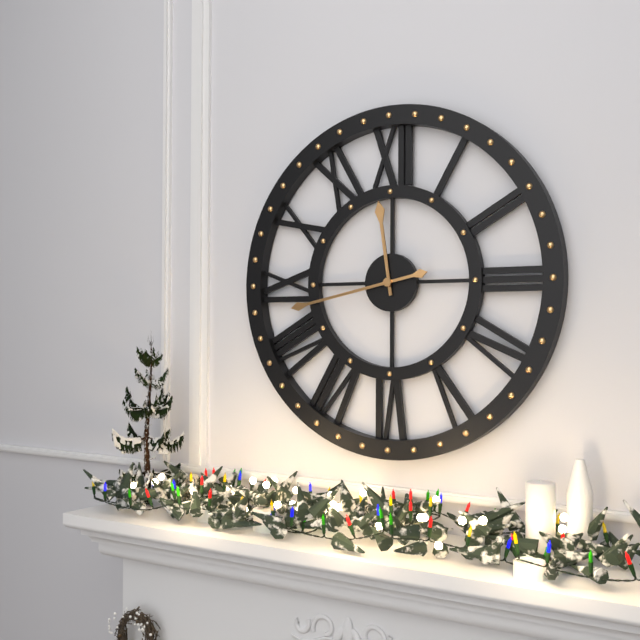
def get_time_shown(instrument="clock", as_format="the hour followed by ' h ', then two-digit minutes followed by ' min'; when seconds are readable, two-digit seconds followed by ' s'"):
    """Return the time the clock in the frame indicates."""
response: 11 h 43 min
